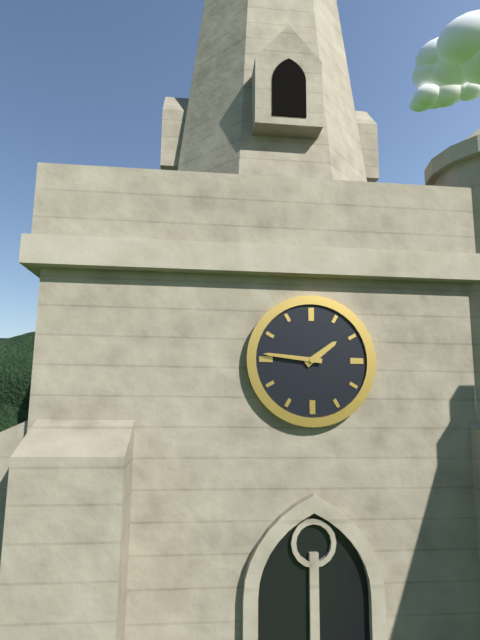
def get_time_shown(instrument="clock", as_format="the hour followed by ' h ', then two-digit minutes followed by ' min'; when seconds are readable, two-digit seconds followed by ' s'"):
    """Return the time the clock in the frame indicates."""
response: 1 h 46 min
